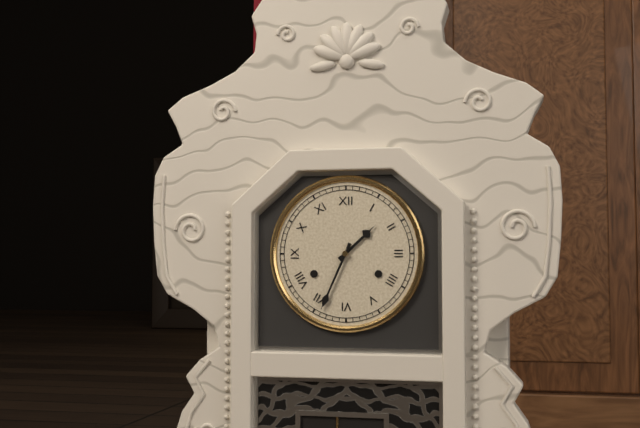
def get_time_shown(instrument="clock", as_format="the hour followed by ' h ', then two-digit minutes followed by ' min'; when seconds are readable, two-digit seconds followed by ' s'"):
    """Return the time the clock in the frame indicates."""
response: 1 h 34 min
